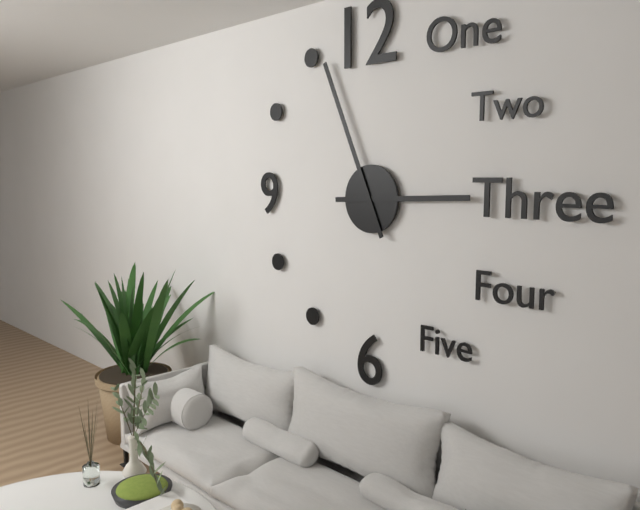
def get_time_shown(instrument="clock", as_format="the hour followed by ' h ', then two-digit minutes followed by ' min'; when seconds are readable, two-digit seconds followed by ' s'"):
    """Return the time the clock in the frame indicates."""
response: 2 h 56 min
